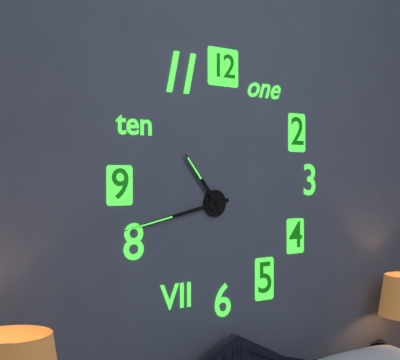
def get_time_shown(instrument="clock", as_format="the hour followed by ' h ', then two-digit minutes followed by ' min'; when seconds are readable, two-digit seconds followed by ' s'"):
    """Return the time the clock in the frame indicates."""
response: 10 h 43 min
